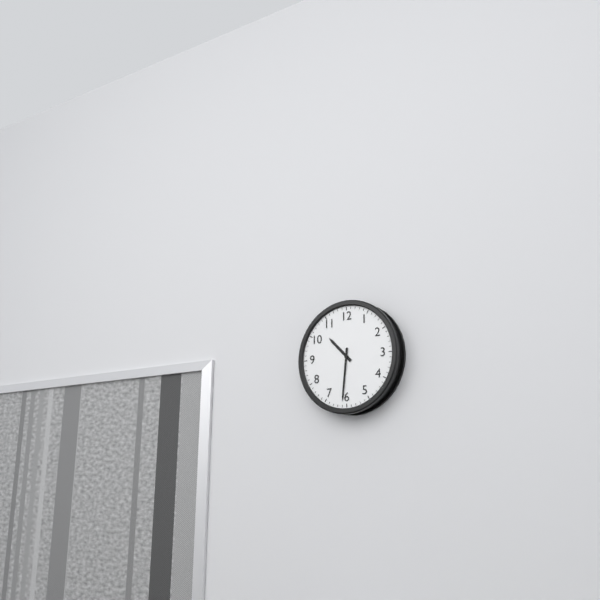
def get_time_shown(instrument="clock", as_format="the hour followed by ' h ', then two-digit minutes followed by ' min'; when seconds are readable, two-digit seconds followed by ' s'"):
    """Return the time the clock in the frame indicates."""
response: 10 h 31 min
